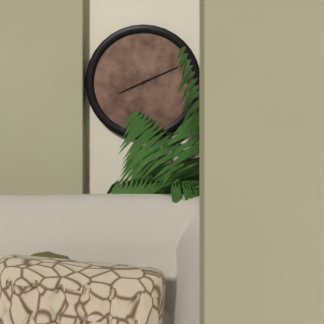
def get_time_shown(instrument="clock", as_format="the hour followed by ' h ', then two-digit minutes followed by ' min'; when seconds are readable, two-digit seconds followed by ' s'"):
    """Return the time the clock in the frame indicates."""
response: 8 h 11 min
